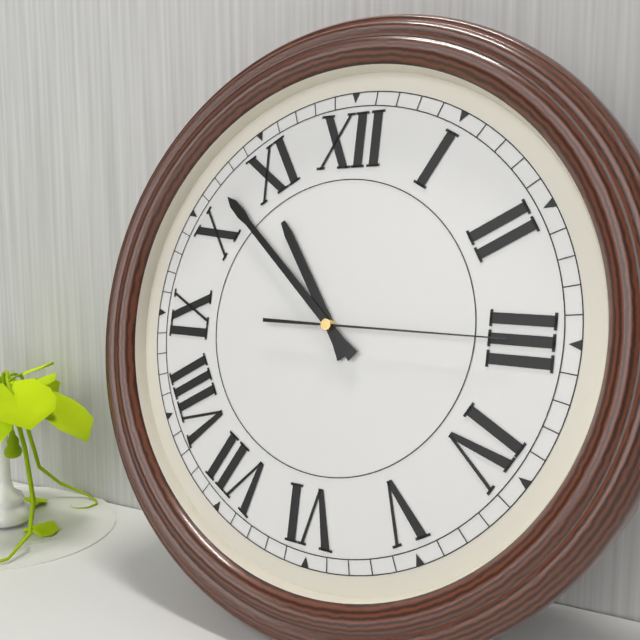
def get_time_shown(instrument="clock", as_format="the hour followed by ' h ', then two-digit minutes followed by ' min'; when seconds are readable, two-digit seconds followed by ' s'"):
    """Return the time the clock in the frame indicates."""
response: 10 h 52 min 15 s
